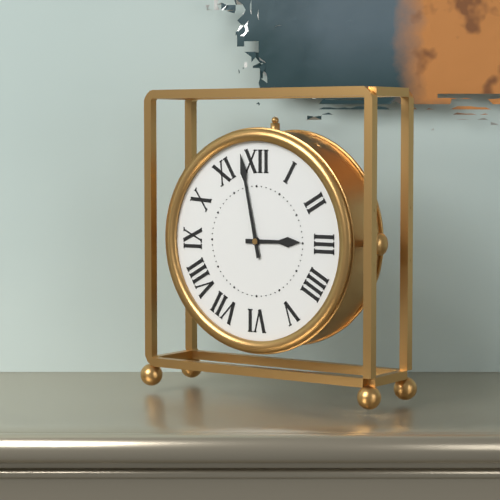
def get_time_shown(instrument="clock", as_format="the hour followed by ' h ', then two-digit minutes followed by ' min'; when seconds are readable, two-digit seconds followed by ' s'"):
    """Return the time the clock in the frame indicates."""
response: 2 h 58 min
